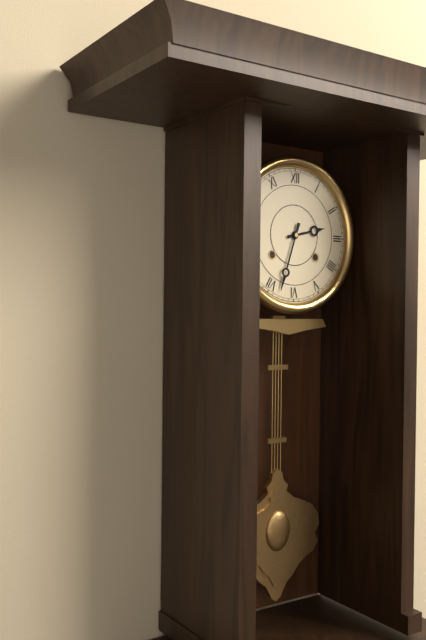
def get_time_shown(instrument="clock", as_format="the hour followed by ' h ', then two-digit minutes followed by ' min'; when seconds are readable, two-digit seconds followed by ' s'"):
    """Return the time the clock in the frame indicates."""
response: 2 h 33 min
